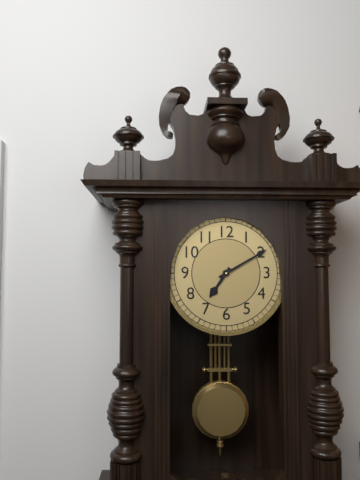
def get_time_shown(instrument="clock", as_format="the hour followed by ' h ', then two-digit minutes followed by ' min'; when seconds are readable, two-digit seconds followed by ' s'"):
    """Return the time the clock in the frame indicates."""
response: 7 h 10 min
